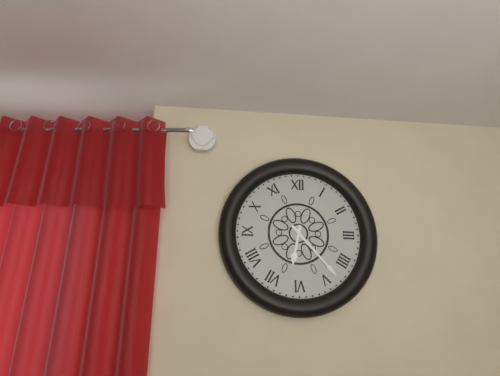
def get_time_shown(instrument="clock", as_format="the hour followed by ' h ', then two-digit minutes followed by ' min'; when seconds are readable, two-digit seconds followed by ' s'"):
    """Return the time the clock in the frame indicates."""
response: 6 h 23 min
